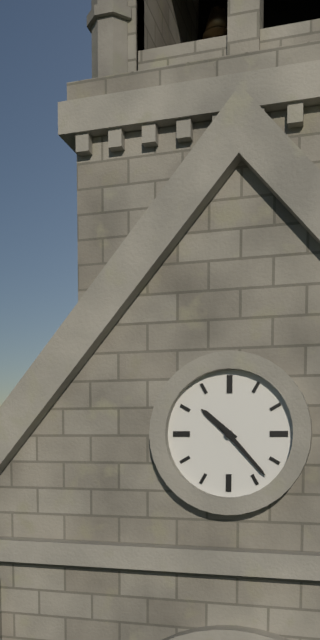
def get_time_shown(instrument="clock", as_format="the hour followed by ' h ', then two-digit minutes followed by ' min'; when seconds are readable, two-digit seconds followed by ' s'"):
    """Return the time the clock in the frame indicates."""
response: 10 h 23 min
